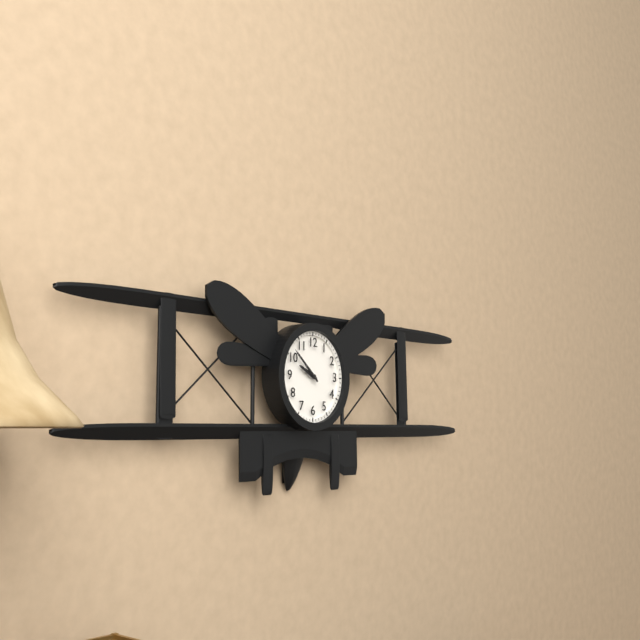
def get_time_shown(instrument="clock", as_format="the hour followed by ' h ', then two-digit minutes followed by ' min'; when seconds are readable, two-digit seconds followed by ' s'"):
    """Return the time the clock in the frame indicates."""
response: 9 h 52 min
